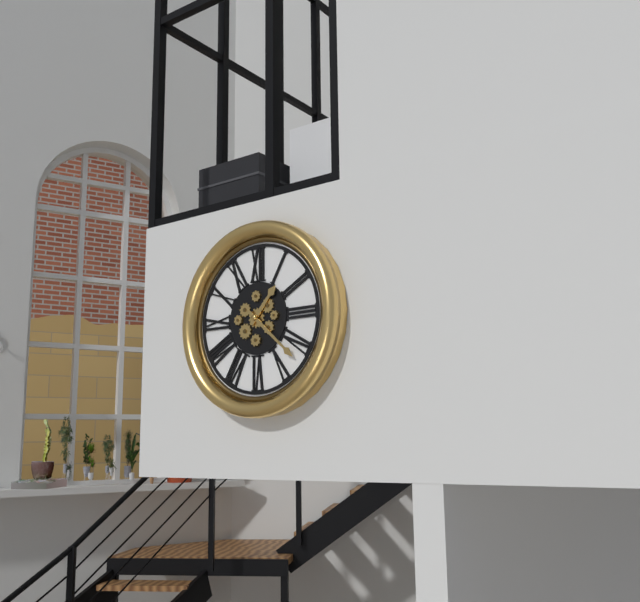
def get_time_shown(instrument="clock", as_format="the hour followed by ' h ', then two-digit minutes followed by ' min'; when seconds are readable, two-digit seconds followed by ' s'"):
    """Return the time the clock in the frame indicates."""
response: 1 h 22 min
